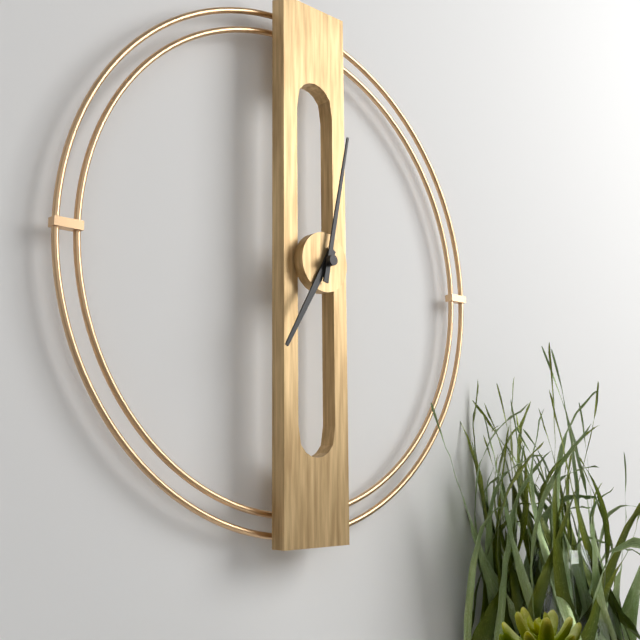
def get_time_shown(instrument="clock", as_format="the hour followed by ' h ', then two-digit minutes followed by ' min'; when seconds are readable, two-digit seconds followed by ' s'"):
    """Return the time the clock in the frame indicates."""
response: 7 h 02 min
